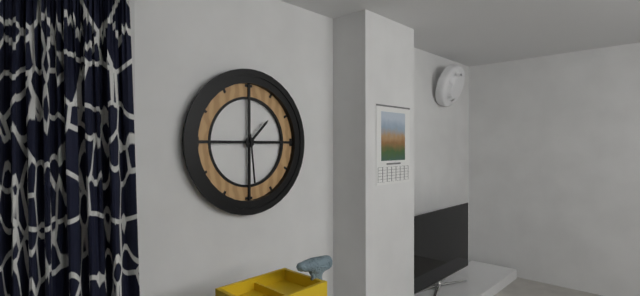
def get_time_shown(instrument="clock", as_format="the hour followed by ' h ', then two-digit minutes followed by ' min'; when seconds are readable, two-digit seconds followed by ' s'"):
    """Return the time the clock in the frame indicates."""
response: 1 h 29 min
